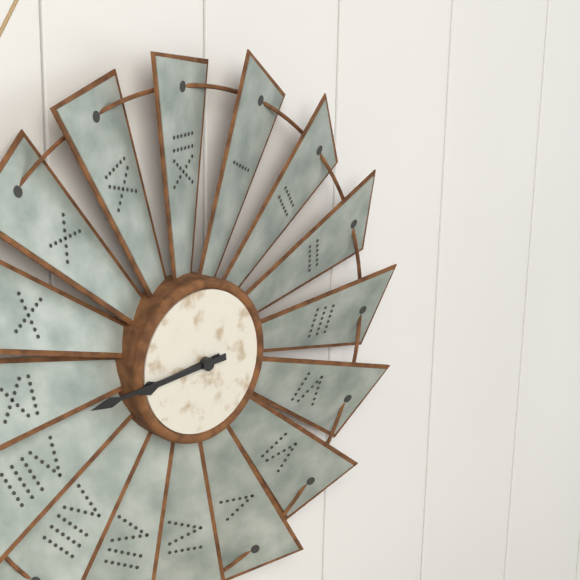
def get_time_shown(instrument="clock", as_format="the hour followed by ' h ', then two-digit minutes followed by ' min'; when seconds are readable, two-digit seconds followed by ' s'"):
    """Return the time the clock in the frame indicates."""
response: 8 h 44 min
